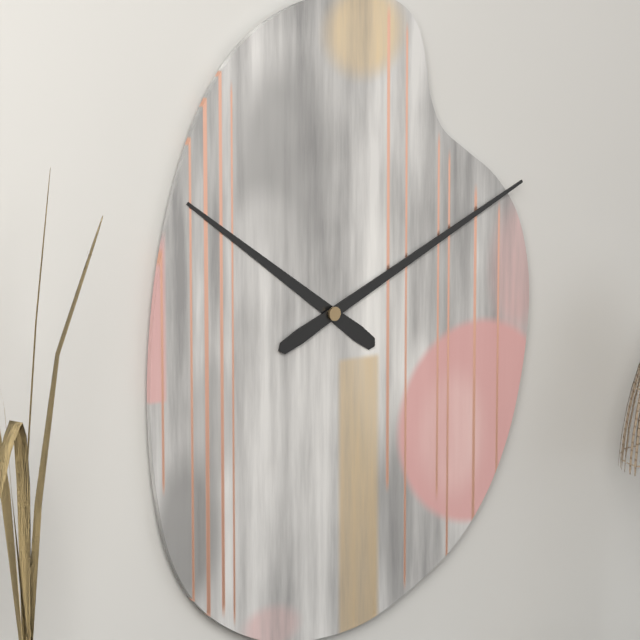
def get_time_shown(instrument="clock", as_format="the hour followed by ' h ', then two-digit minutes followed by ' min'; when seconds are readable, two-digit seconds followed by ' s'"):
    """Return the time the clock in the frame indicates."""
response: 10 h 11 min
